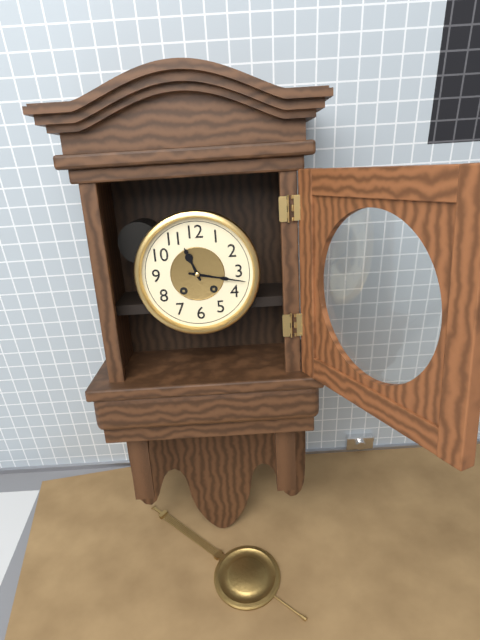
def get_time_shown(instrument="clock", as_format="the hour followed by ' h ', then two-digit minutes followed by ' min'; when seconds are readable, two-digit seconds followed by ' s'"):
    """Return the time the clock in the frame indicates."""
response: 11 h 17 min
